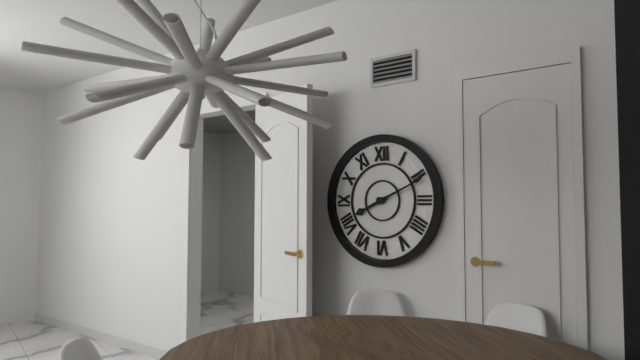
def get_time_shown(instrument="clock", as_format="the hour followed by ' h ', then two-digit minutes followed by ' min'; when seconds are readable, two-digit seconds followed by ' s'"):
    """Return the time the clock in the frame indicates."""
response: 8 h 11 min
